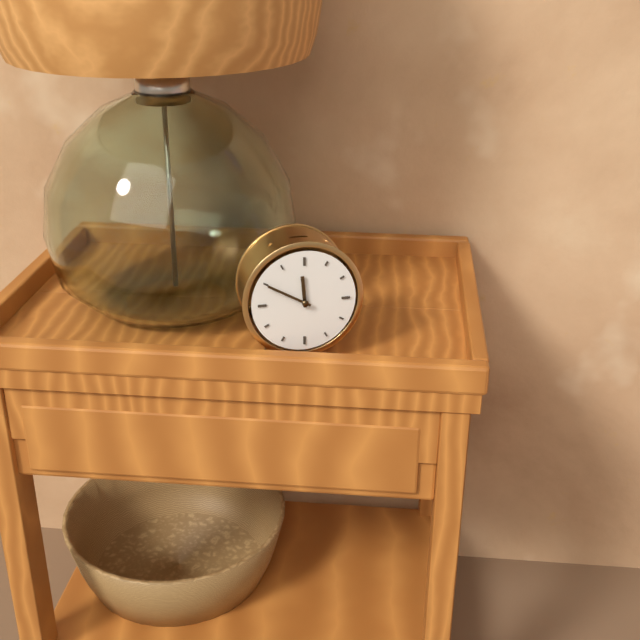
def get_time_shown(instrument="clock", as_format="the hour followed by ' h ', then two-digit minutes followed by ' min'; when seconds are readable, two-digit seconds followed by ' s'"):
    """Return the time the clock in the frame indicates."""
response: 11 h 50 min
